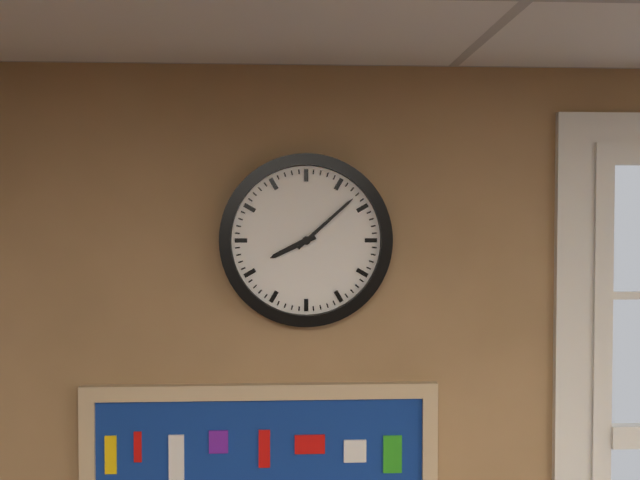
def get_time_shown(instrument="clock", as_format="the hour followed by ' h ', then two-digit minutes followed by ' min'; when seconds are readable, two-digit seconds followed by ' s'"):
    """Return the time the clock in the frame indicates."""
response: 8 h 08 min
